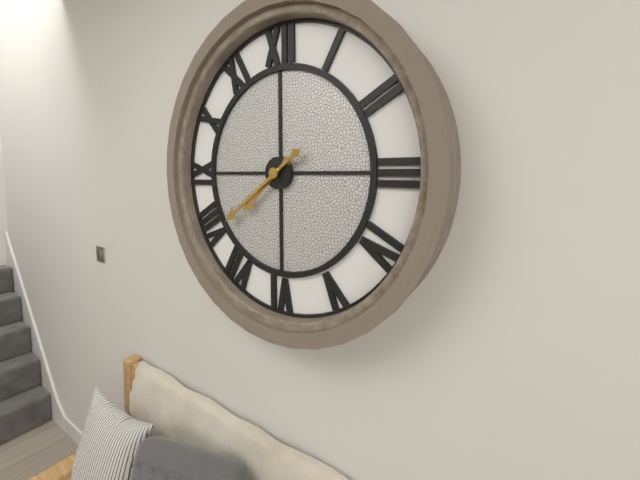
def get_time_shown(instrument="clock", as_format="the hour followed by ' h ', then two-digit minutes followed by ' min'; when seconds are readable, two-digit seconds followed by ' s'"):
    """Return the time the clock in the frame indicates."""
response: 7 h 39 min
